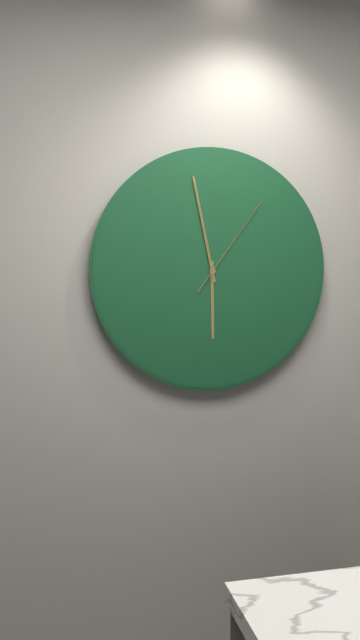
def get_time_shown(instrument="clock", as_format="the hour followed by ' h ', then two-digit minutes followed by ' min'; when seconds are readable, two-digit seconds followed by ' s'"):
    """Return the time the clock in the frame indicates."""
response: 5 h 58 min 06 s
